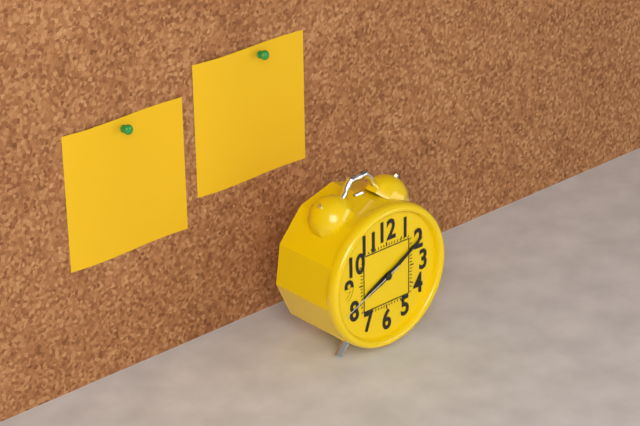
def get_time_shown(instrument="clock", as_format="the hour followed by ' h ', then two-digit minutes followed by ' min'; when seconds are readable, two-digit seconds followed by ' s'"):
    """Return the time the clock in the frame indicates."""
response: 8 h 10 min 41 s
